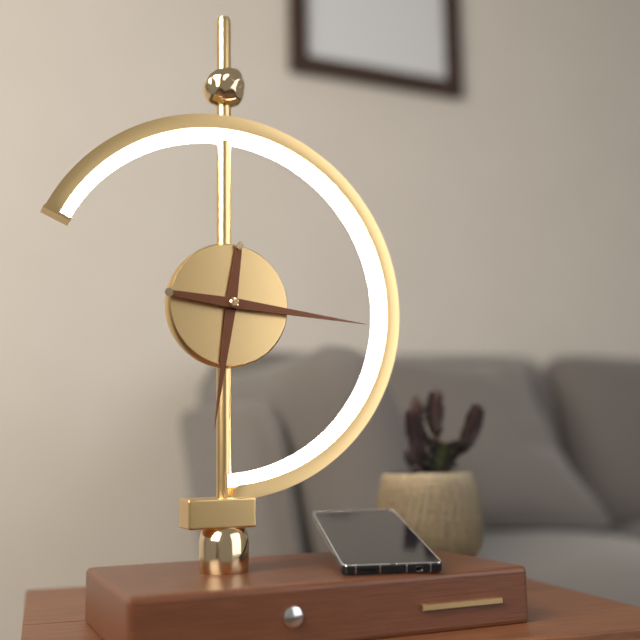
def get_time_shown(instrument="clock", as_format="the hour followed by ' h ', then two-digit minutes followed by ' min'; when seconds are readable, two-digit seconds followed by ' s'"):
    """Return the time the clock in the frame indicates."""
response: 6 h 16 min
